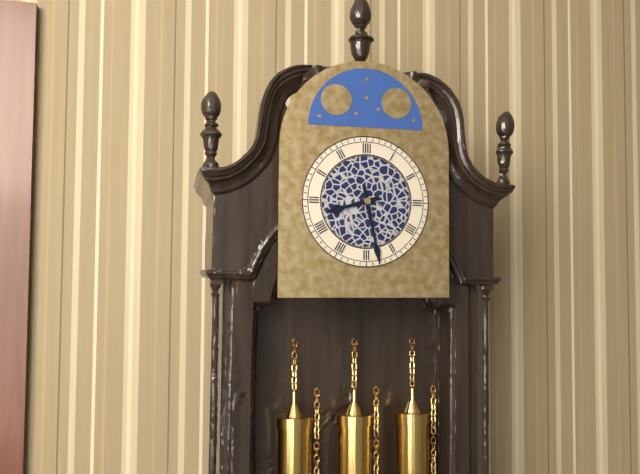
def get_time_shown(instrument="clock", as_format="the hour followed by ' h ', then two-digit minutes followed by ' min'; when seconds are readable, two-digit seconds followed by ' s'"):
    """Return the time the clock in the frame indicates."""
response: 8 h 28 min
